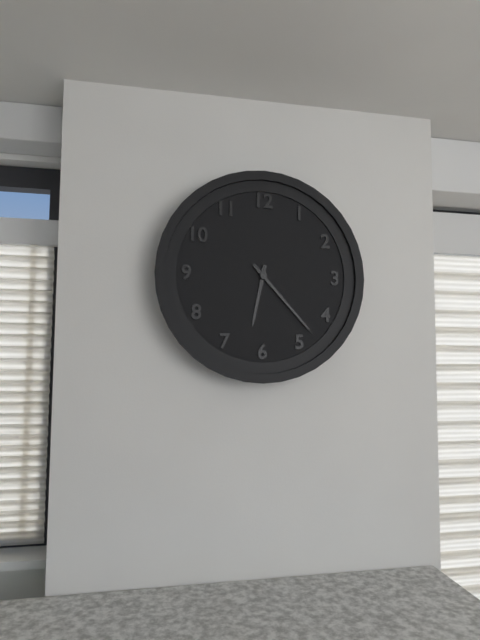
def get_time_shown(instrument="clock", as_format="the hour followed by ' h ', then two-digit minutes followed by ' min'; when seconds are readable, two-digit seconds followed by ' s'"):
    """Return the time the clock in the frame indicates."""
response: 6 h 23 min
